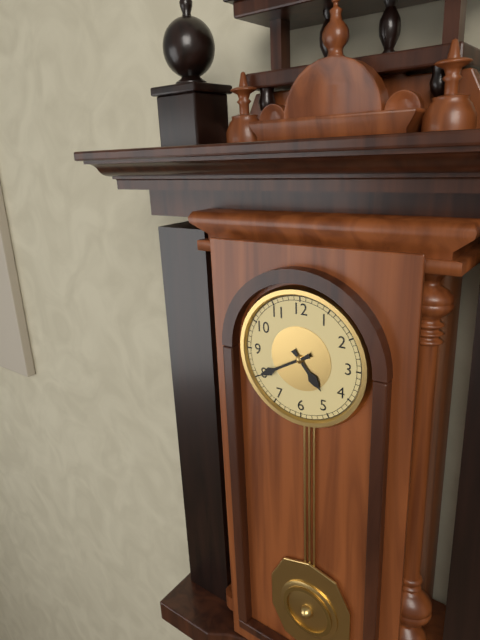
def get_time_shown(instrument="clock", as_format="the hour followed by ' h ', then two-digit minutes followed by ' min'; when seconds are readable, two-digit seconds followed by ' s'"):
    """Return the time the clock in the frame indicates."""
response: 4 h 40 min
